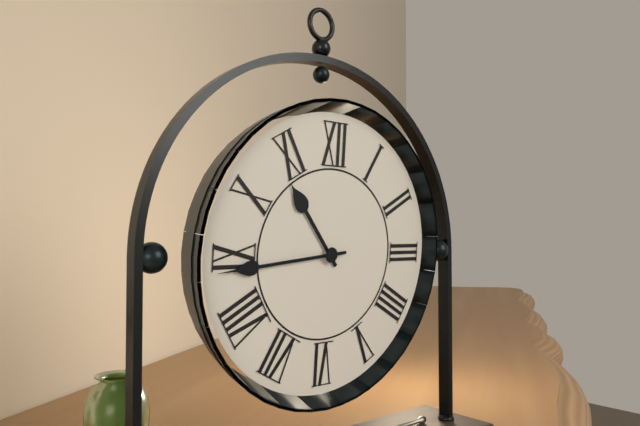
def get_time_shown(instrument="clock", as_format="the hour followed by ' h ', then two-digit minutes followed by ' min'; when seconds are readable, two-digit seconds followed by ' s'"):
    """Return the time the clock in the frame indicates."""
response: 10 h 44 min
